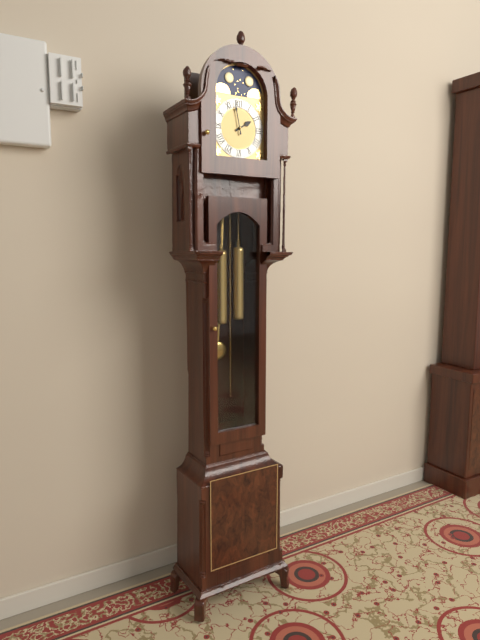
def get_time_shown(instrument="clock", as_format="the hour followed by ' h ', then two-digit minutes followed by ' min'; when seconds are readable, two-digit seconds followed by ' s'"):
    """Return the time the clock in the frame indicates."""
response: 1 h 58 min
